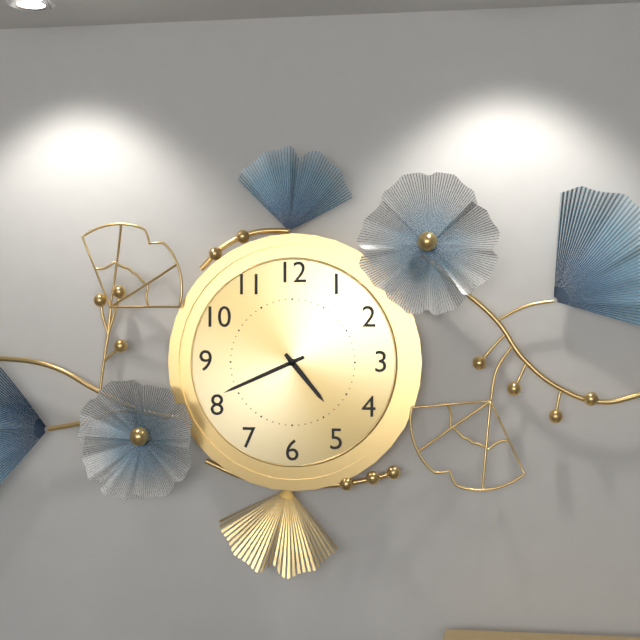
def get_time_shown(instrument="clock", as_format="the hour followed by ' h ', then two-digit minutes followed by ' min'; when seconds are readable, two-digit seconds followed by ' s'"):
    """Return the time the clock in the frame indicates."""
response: 4 h 41 min
